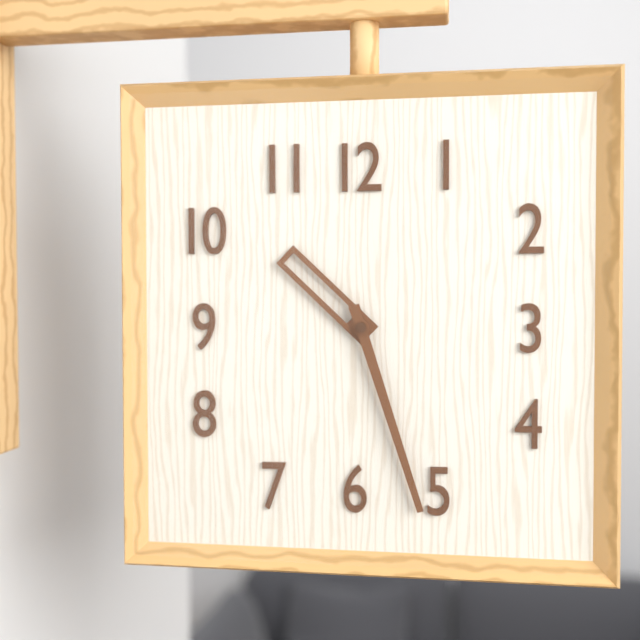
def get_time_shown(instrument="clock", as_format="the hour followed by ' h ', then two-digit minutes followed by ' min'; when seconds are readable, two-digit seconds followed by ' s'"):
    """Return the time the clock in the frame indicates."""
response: 10 h 27 min
